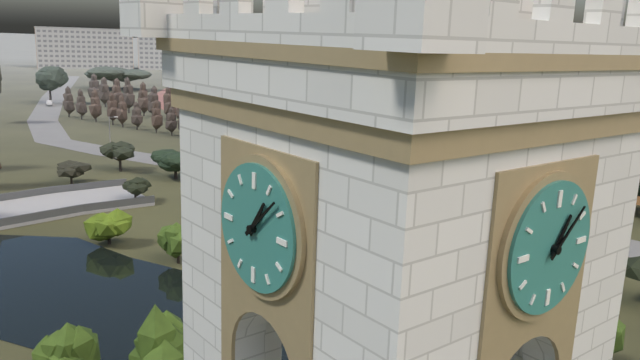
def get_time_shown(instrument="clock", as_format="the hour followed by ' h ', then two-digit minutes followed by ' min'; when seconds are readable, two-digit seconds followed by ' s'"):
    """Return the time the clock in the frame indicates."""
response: 1 h 08 min
